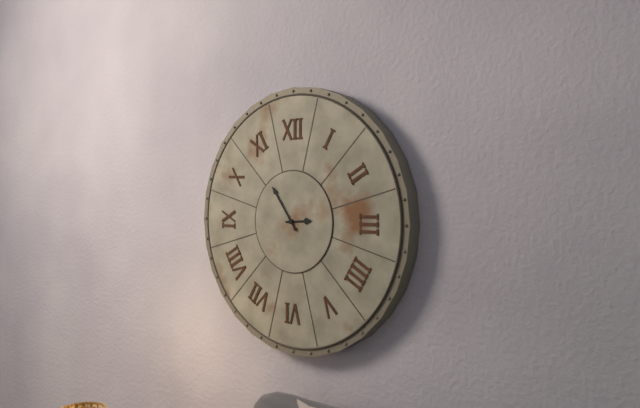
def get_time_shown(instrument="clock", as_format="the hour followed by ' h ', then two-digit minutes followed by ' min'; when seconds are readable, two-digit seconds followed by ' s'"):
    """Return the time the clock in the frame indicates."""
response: 2 h 54 min
